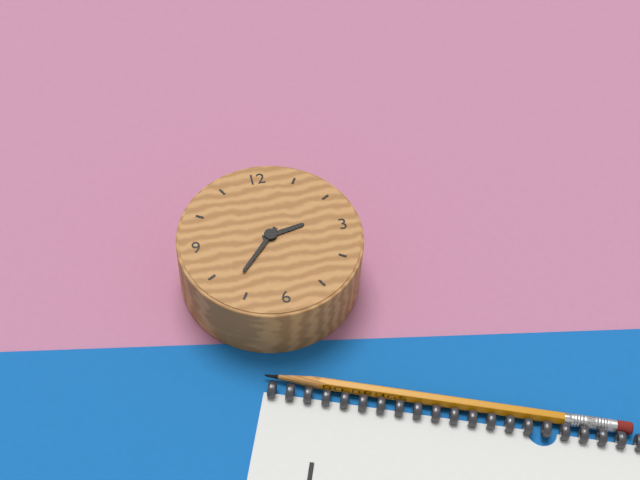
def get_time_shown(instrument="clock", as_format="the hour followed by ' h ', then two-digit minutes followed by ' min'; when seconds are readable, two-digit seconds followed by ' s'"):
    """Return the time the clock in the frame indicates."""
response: 2 h 37 min
